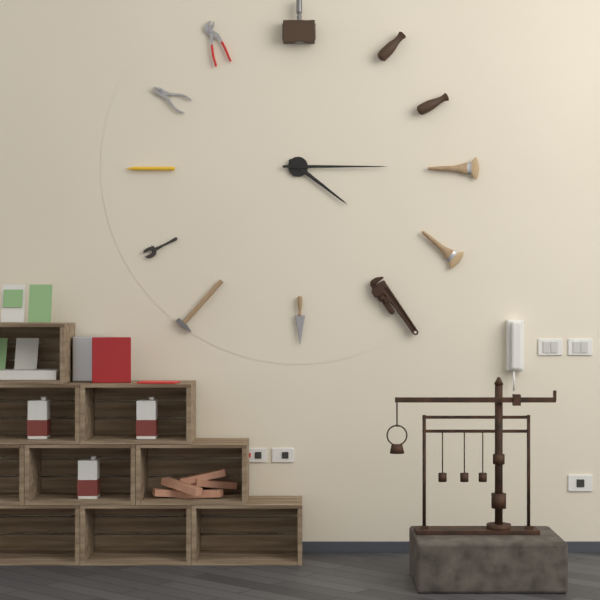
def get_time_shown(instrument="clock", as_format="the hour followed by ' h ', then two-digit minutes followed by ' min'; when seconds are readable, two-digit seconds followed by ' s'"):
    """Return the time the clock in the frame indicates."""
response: 4 h 15 min
